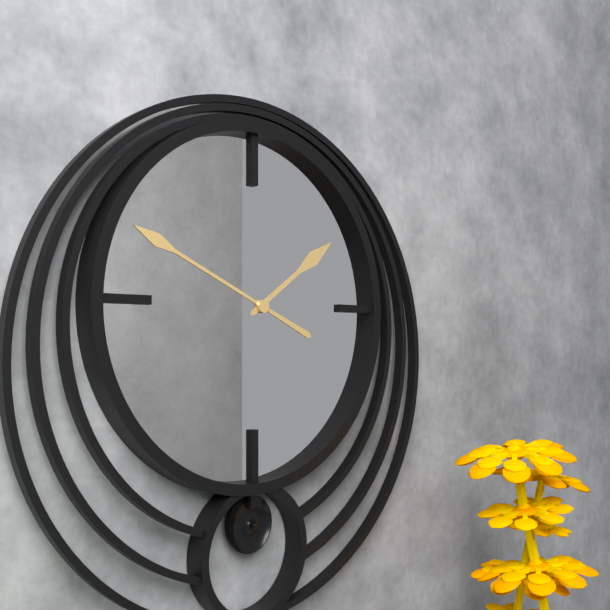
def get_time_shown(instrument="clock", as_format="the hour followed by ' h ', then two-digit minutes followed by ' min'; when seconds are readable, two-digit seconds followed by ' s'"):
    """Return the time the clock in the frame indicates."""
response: 1 h 49 min
